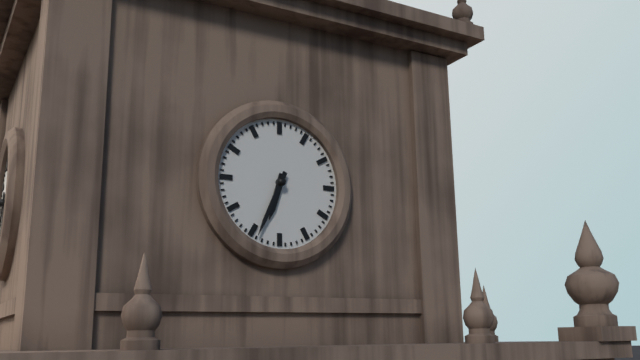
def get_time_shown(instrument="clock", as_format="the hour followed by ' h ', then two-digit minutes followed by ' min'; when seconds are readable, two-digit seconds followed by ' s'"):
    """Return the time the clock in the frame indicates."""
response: 6 h 34 min
